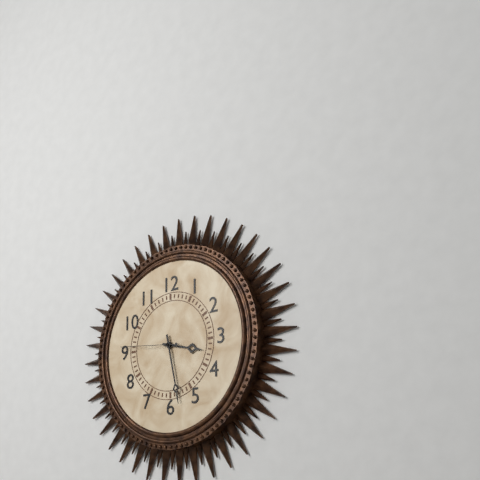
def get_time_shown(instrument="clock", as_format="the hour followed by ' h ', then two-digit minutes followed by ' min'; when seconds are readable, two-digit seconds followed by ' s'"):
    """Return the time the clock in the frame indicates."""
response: 3 h 28 min 46 s
